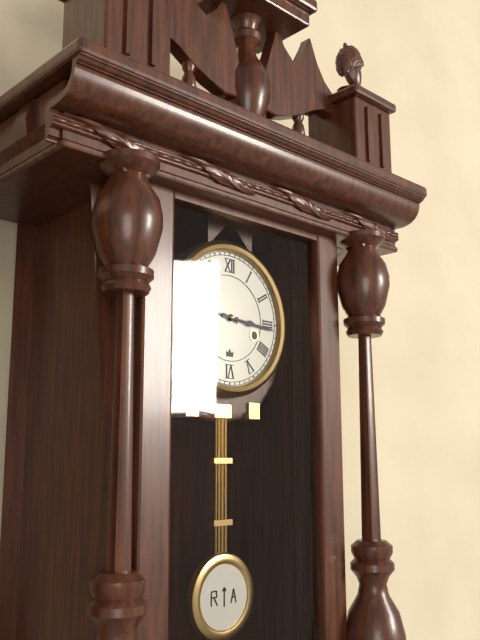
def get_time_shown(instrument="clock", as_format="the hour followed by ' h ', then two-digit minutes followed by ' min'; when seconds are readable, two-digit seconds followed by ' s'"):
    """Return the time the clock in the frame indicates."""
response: 9 h 16 min
